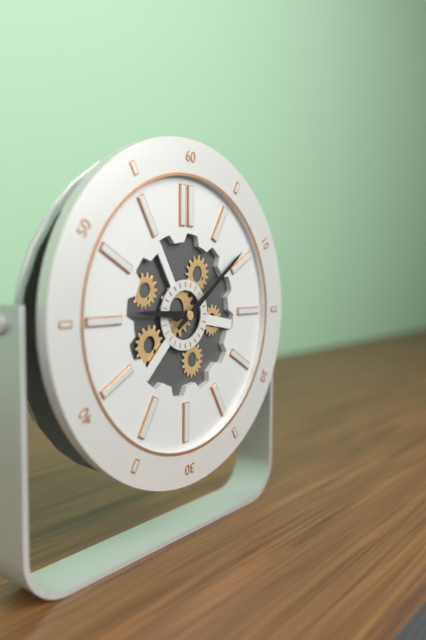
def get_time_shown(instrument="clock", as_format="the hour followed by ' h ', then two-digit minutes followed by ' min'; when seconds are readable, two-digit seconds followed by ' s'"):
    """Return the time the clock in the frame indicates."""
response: 9 h 09 min
